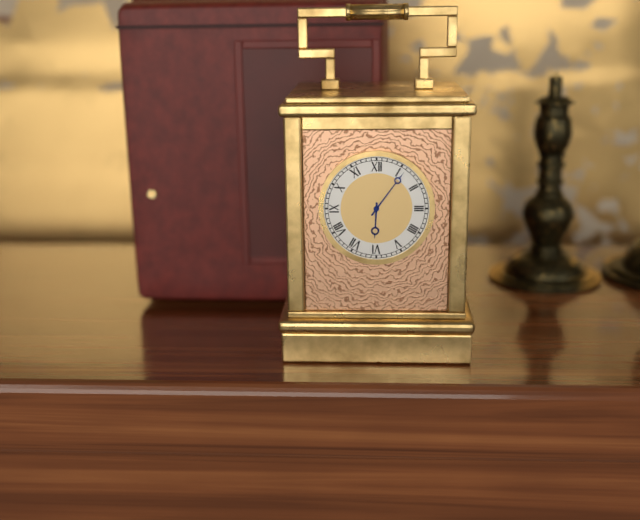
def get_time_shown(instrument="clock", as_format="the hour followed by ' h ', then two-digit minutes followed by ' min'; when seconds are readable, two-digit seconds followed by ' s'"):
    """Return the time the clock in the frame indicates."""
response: 6 h 06 min
